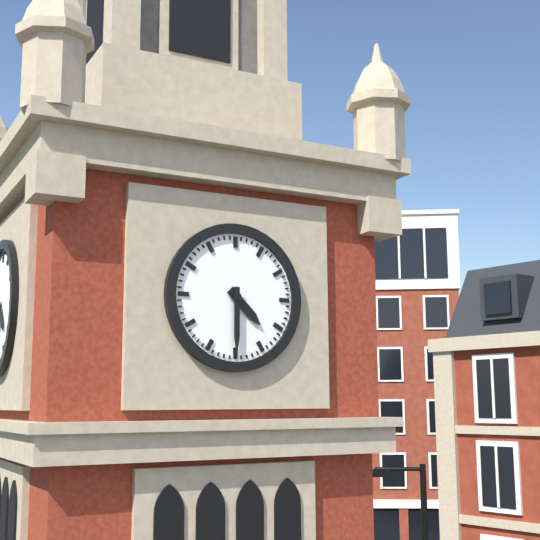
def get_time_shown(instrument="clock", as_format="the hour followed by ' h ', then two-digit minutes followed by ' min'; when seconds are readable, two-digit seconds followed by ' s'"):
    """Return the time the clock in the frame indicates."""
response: 4 h 30 min
